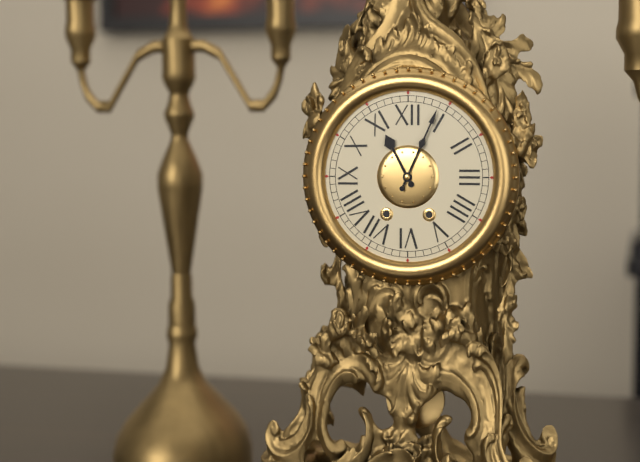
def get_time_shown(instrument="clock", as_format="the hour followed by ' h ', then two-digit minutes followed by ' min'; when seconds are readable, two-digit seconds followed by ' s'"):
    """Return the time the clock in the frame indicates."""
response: 11 h 04 min
